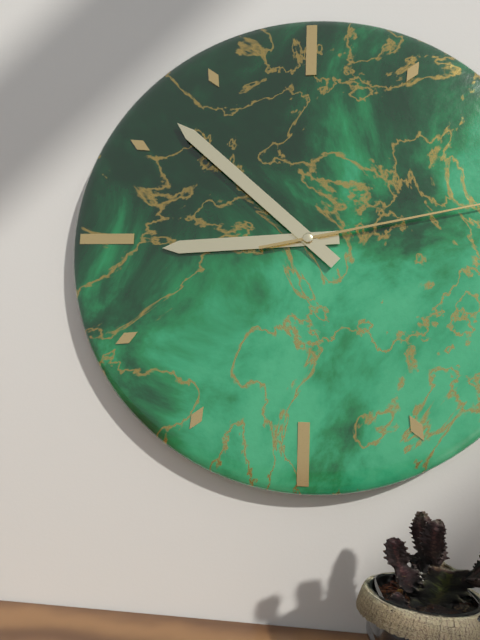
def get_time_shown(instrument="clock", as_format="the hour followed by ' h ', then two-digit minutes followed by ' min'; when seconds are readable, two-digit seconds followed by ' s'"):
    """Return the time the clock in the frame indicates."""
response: 8 h 52 min
